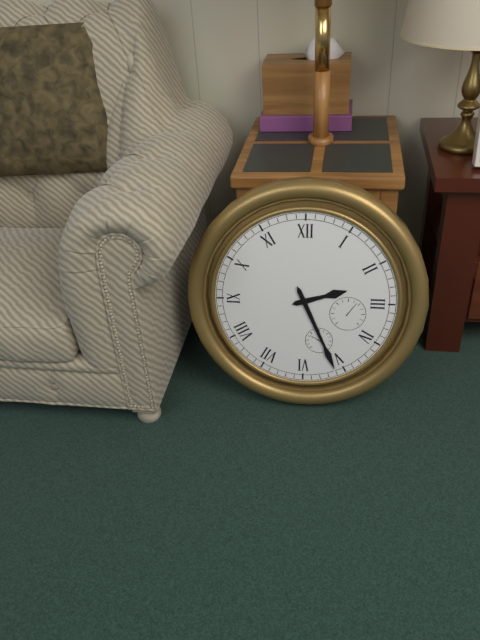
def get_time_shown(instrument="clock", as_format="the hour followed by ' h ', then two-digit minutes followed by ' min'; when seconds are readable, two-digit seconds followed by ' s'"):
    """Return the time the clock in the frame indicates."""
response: 2 h 26 min
